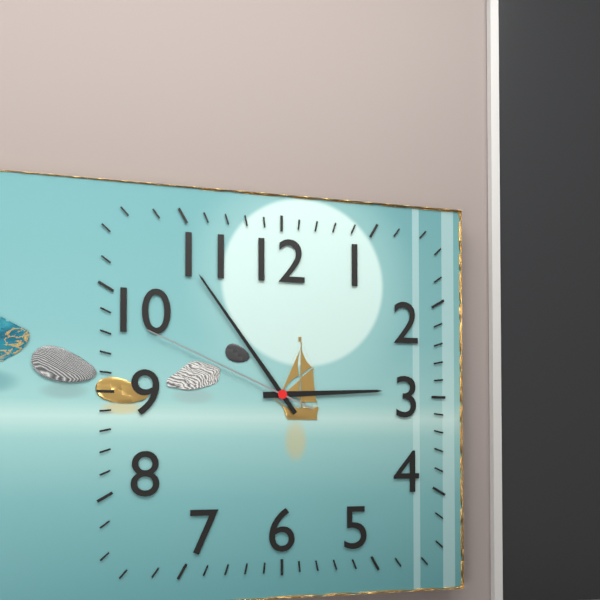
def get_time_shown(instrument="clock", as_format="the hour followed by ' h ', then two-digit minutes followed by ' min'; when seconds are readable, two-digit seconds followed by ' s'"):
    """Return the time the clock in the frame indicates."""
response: 2 h 54 min 49 s
